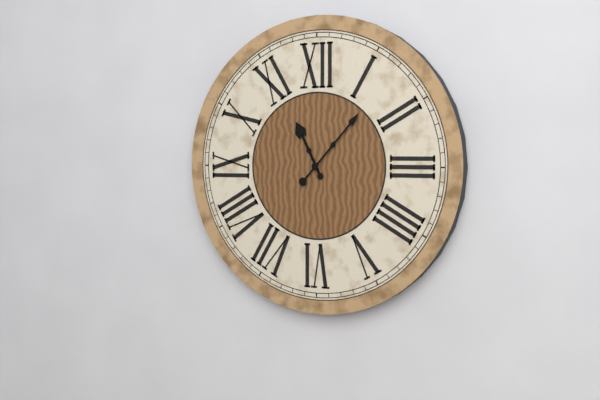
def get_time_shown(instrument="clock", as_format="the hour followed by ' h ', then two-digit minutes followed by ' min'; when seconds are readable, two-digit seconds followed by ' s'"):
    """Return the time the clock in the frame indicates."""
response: 11 h 07 min
